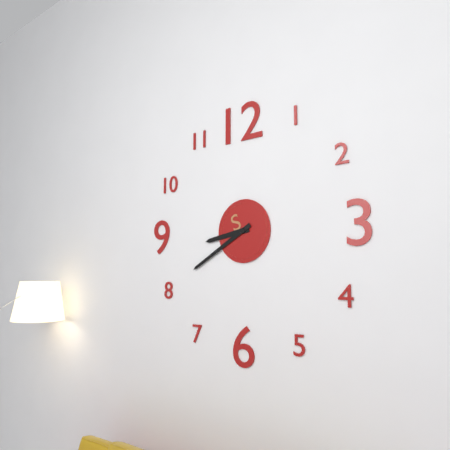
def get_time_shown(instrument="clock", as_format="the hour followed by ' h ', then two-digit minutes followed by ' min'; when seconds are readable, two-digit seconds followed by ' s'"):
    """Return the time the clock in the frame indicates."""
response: 8 h 40 min
